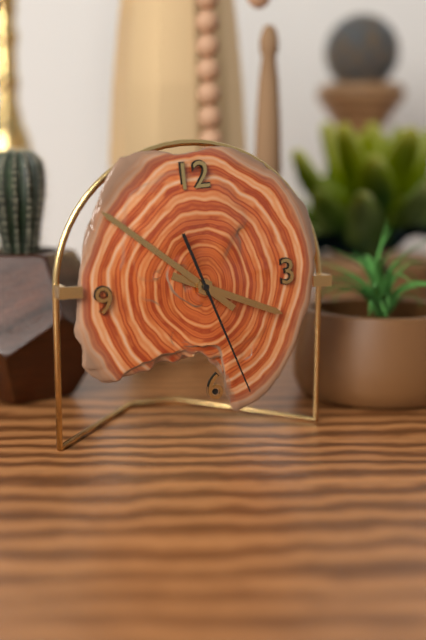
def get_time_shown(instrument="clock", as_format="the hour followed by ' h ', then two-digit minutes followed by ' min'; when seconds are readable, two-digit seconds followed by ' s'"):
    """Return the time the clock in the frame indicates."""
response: 3 h 52 min 27 s
